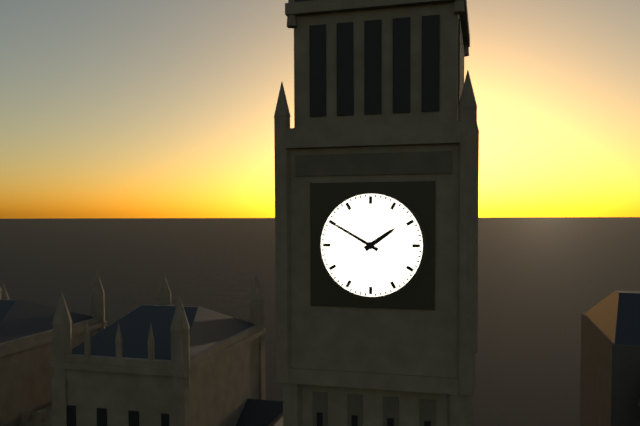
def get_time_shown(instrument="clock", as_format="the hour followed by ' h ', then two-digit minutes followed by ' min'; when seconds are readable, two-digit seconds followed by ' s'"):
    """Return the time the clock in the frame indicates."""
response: 1 h 50 min
